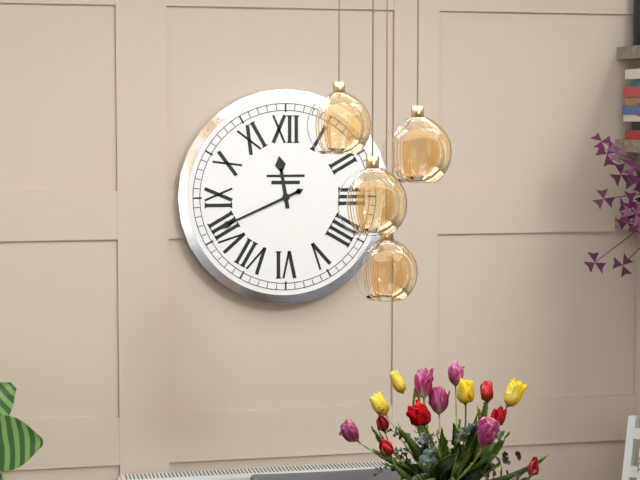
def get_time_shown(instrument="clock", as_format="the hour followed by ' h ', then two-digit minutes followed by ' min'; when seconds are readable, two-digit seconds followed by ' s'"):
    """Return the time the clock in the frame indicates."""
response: 11 h 41 min
